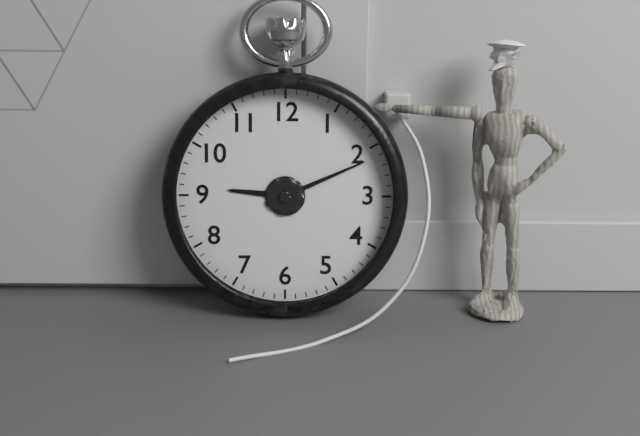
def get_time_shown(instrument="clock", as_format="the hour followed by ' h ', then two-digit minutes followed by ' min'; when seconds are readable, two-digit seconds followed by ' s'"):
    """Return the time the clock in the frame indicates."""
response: 9 h 11 min
